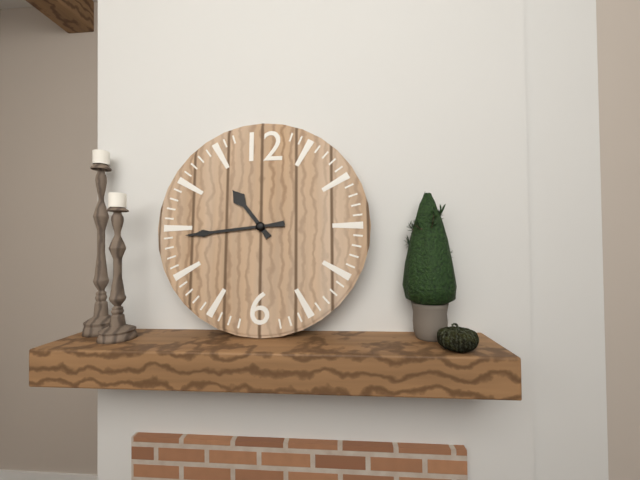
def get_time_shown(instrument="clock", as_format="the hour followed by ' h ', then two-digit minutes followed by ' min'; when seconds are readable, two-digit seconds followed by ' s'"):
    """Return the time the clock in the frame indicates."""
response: 10 h 44 min
